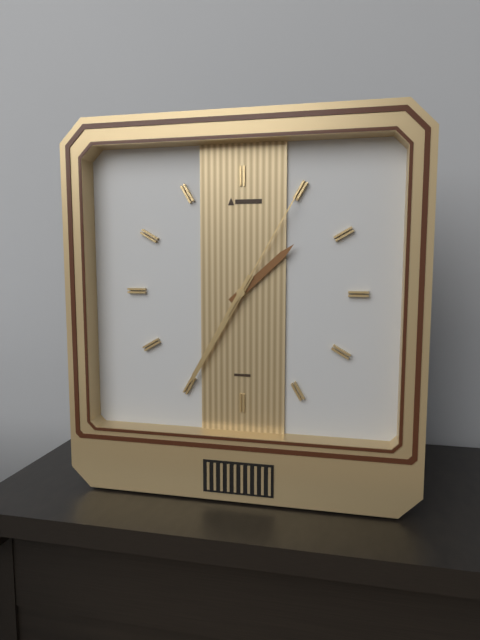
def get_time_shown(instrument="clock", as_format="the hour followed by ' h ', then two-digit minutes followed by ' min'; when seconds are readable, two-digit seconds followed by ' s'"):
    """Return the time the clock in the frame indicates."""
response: 1 h 35 min 05 s
